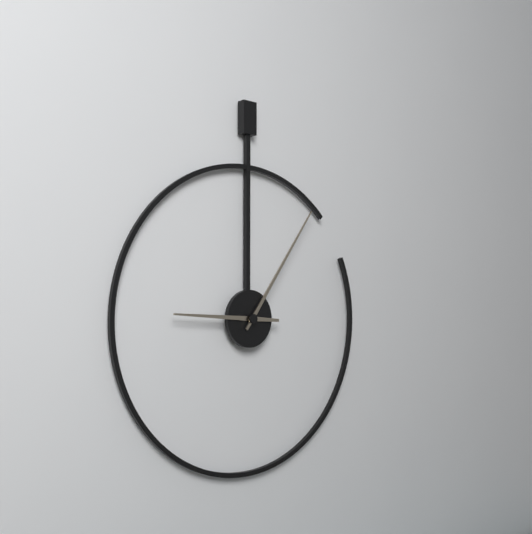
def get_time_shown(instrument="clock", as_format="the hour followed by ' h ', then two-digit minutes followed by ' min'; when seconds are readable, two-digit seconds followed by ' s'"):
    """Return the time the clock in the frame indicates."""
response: 9 h 06 min
